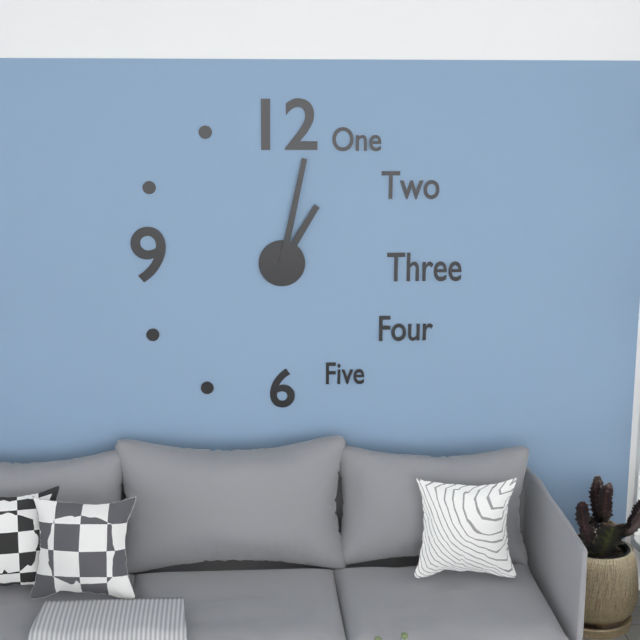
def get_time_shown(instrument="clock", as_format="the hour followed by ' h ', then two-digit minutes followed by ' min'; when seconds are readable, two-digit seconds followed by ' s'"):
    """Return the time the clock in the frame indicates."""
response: 1 h 02 min
